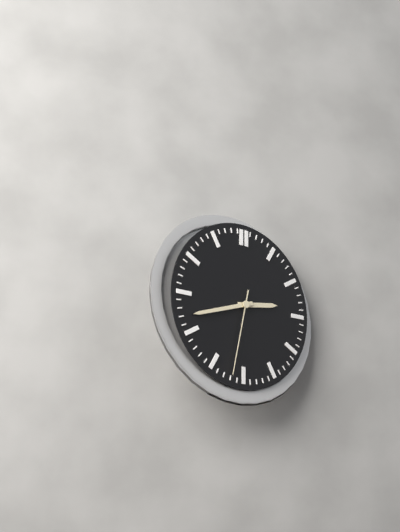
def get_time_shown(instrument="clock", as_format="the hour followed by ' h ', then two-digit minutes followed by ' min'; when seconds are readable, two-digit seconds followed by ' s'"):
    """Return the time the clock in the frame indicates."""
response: 2 h 42 min 32 s
